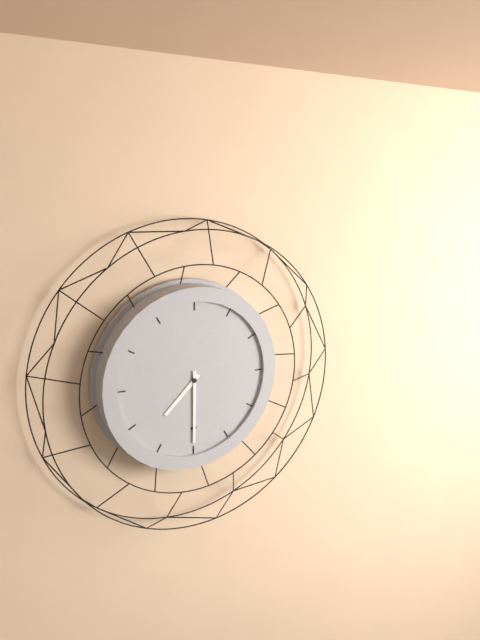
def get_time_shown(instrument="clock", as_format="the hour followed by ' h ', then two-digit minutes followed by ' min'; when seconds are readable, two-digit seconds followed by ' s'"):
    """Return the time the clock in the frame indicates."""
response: 7 h 30 min
